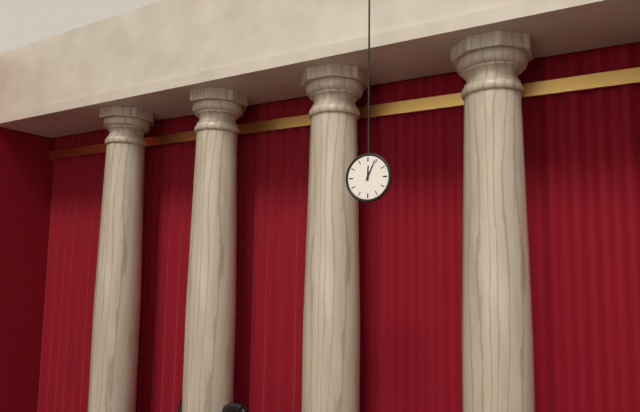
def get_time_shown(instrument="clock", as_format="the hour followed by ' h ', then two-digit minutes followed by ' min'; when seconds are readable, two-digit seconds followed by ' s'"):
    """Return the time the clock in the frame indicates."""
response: 12 h 04 min
